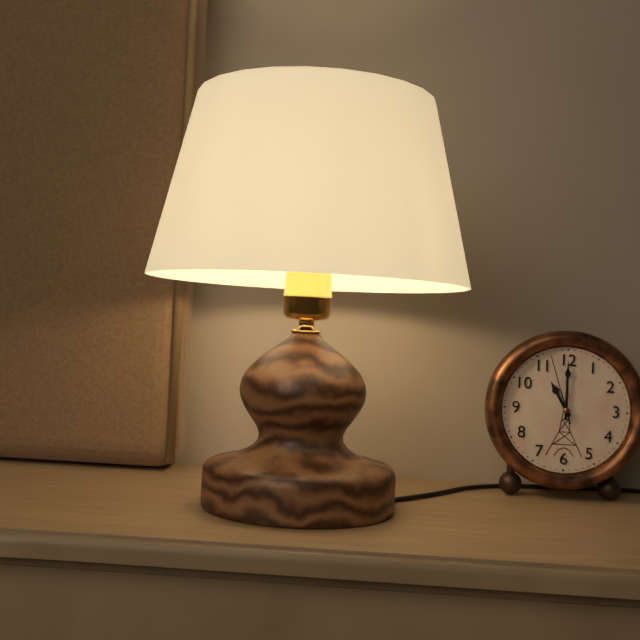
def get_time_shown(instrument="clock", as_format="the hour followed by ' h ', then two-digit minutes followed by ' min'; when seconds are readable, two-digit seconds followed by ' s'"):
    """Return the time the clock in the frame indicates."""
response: 11 h 00 min 57 s
